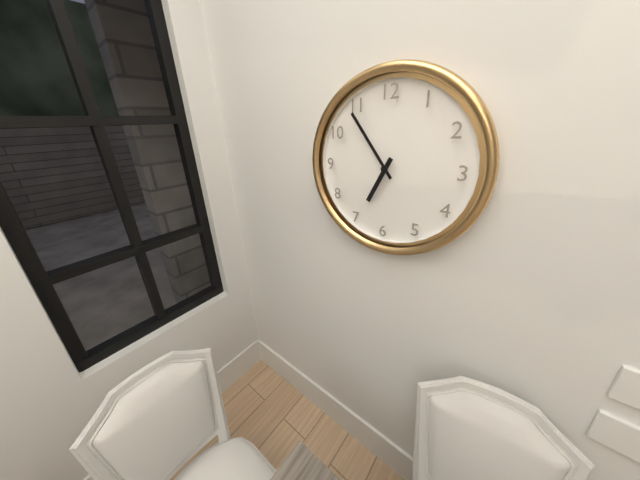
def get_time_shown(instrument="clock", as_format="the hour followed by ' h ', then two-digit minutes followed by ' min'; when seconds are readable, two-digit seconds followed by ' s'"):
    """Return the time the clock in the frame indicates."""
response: 6 h 54 min
